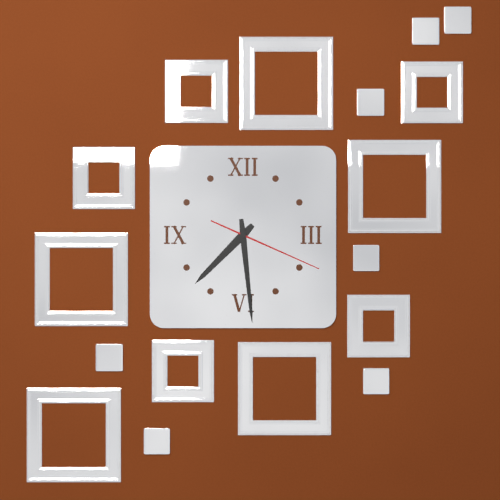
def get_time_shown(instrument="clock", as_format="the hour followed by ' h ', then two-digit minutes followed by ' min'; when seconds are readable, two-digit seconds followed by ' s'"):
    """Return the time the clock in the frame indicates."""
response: 7 h 29 min 19 s
